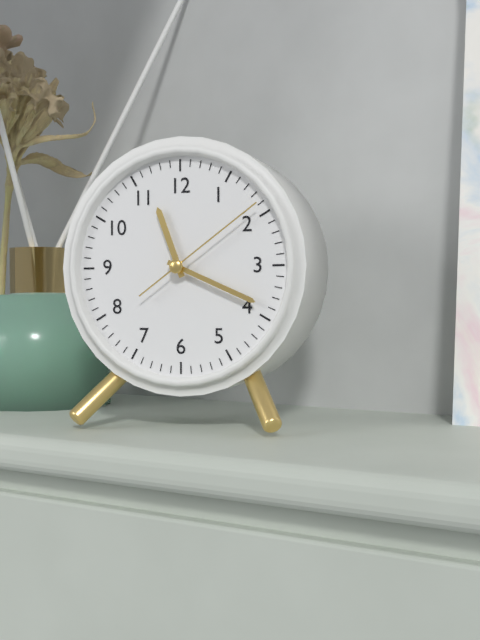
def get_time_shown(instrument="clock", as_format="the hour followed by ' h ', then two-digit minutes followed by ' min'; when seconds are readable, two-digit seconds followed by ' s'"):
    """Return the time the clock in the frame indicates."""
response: 11 h 19 min 09 s
